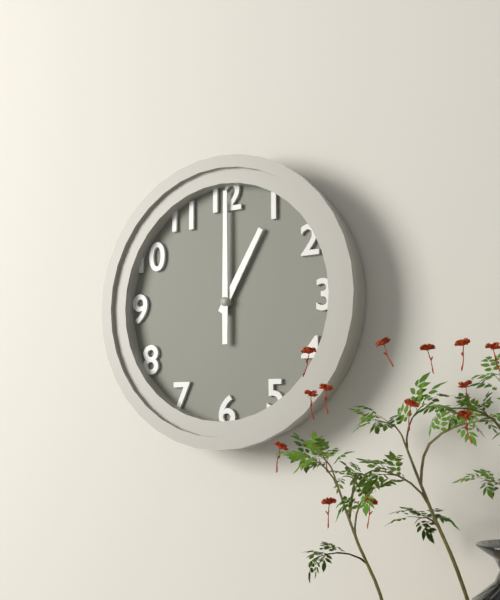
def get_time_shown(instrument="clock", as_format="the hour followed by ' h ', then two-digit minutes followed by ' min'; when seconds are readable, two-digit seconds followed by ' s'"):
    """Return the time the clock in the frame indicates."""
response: 1 h 00 min
